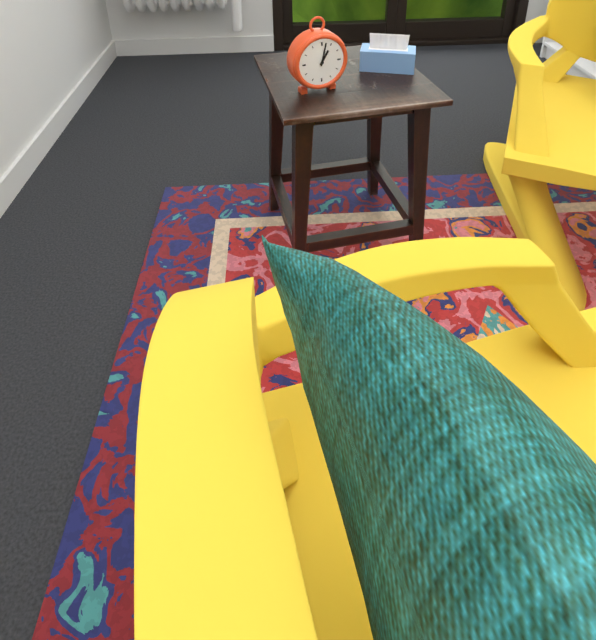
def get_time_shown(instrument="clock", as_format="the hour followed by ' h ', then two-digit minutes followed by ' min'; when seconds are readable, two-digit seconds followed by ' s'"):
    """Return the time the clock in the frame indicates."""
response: 1 h 02 min
